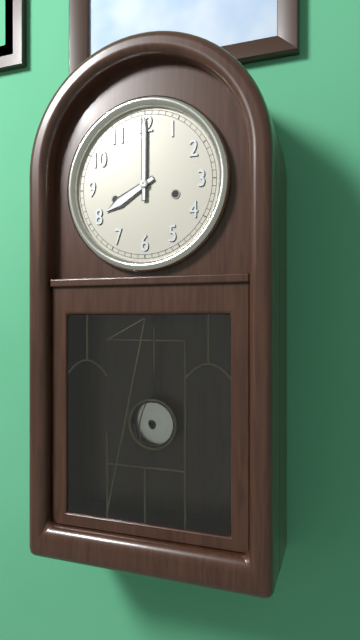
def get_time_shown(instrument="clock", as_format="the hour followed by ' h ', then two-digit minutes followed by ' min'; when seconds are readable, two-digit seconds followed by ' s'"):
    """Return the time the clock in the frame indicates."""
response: 8 h 00 min
